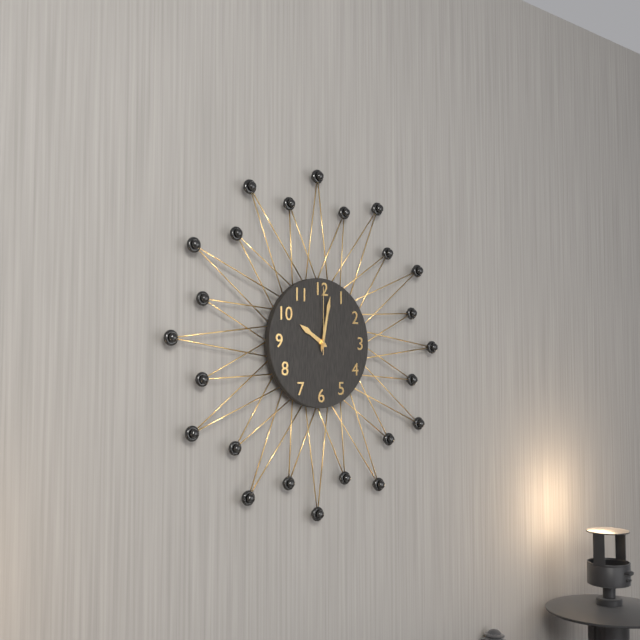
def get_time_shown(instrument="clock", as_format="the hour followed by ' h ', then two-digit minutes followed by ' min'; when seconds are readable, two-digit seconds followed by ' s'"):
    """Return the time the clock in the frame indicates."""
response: 10 h 02 min 00 s
